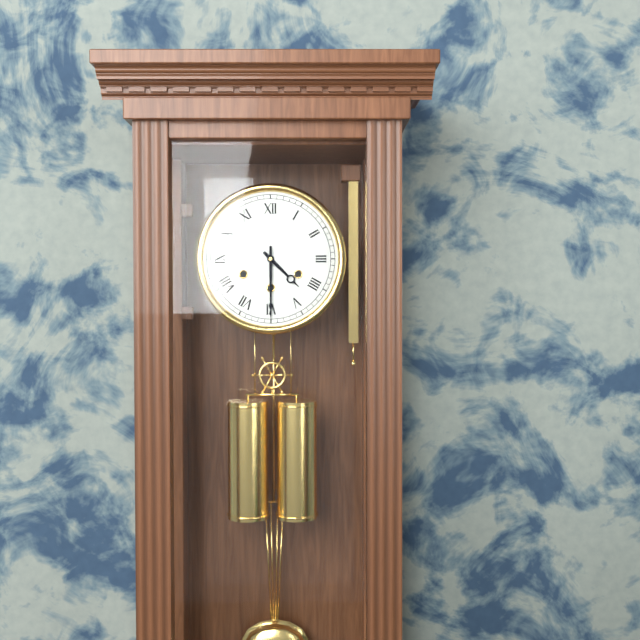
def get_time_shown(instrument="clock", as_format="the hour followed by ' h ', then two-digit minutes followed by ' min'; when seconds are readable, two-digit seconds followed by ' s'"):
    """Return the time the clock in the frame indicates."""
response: 4 h 30 min
